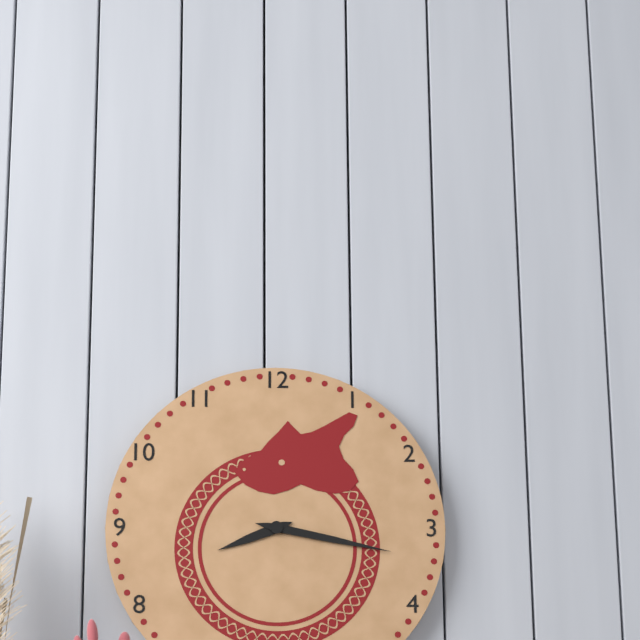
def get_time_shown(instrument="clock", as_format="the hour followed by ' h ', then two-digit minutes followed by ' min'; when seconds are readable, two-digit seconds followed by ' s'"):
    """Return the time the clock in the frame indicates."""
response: 8 h 17 min
